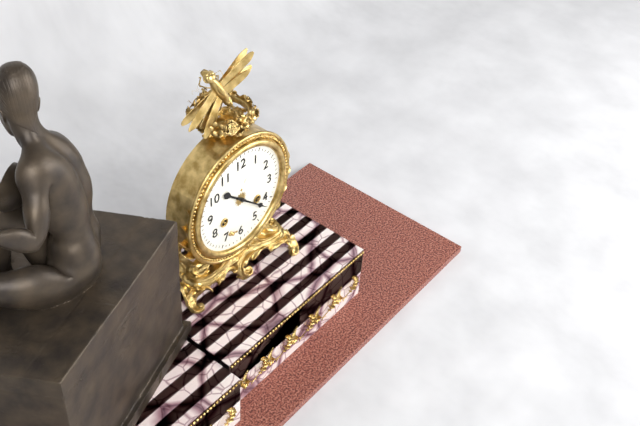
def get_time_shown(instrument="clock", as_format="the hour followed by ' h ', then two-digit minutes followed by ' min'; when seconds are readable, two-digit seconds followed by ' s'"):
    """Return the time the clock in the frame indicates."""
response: 10 h 22 min
